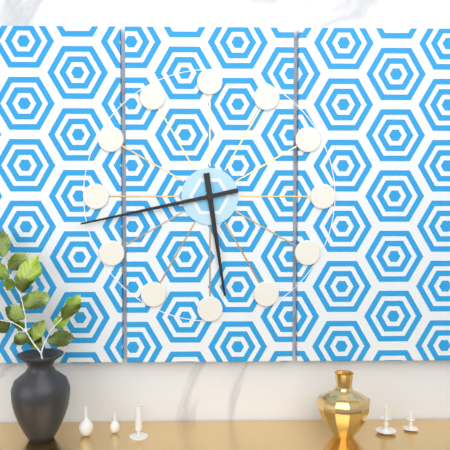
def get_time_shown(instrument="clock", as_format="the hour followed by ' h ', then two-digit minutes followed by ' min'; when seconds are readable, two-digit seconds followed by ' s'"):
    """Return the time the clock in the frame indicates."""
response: 5 h 43 min
